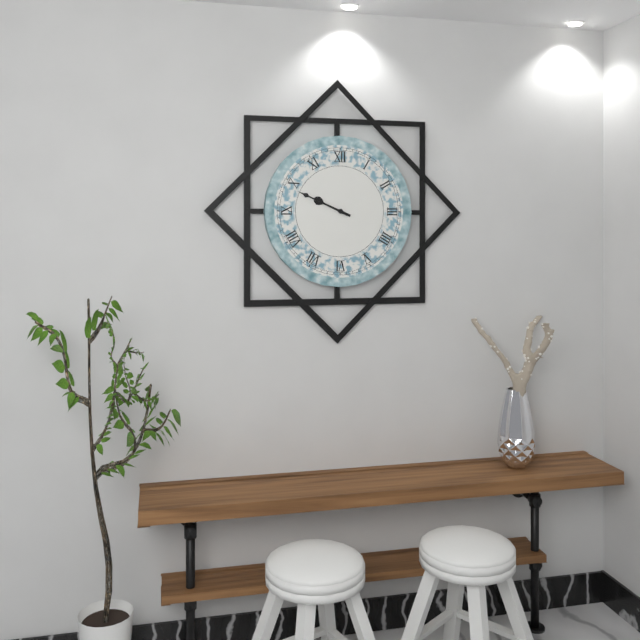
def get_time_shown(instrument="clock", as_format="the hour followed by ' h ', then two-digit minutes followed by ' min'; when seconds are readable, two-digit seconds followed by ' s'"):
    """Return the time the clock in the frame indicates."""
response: 9 h 49 min
